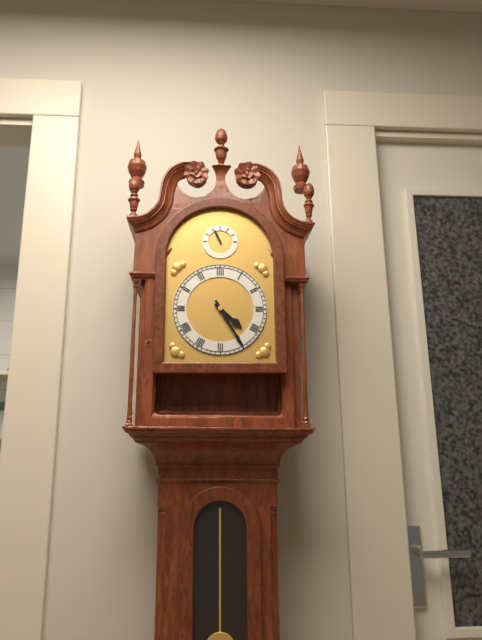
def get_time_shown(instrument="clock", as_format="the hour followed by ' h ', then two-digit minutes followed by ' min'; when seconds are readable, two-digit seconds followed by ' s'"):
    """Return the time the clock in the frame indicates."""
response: 4 h 25 min
